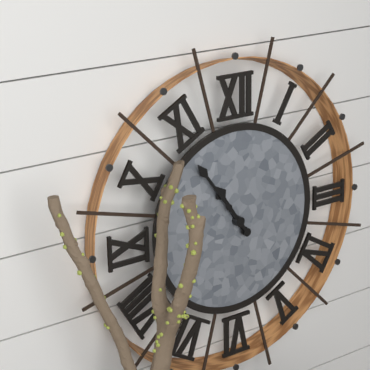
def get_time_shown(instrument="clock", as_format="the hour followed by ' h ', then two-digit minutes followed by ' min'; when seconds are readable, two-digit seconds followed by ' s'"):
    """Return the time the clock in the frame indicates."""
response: 10 h 54 min
